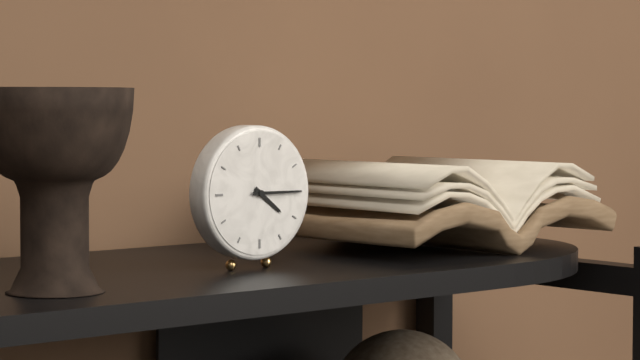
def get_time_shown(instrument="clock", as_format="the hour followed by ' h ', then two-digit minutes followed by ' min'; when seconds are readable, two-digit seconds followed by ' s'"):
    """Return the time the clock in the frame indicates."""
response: 4 h 15 min
